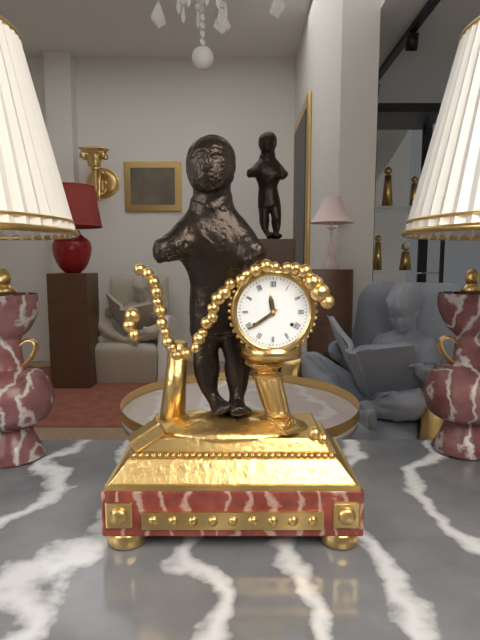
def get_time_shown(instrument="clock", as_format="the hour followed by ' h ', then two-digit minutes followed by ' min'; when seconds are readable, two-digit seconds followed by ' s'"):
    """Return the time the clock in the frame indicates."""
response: 11 h 39 min
